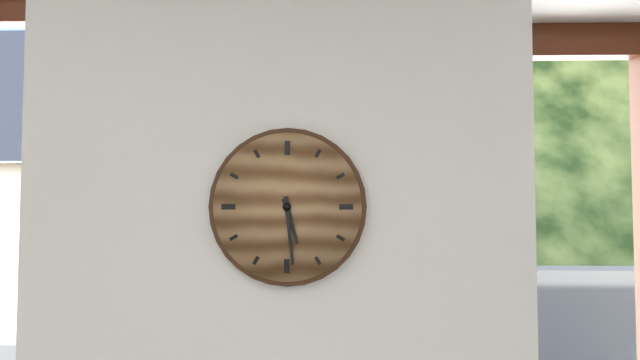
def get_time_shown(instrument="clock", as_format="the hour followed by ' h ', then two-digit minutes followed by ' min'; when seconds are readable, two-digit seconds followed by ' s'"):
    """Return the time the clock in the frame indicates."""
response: 5 h 29 min
